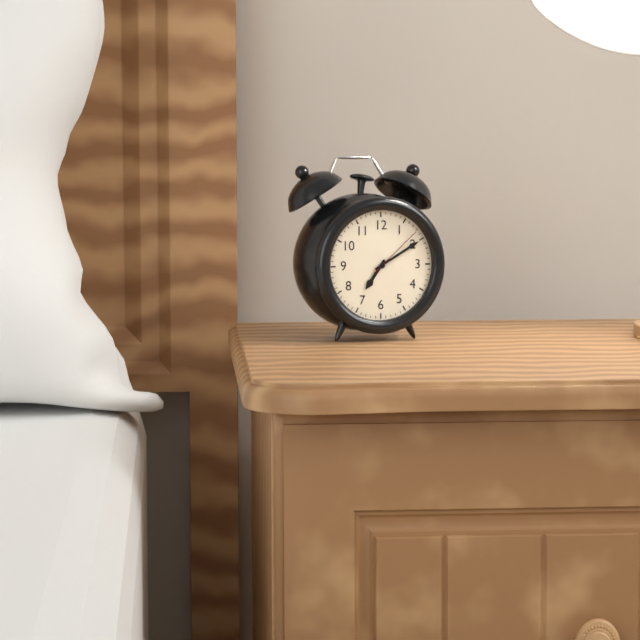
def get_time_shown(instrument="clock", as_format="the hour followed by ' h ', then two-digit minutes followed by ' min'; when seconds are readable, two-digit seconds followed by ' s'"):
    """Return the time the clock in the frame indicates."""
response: 7 h 10 min 08 s
